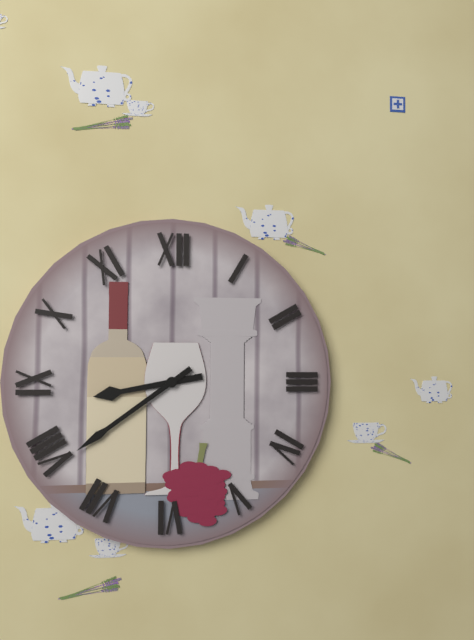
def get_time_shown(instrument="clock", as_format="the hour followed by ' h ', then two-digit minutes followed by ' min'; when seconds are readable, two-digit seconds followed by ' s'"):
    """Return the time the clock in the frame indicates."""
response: 8 h 39 min
